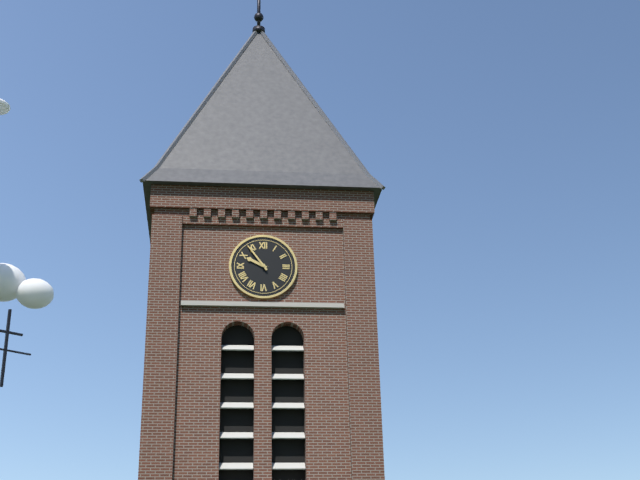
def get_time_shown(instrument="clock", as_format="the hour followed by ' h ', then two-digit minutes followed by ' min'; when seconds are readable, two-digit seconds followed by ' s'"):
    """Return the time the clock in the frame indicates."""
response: 9 h 54 min
